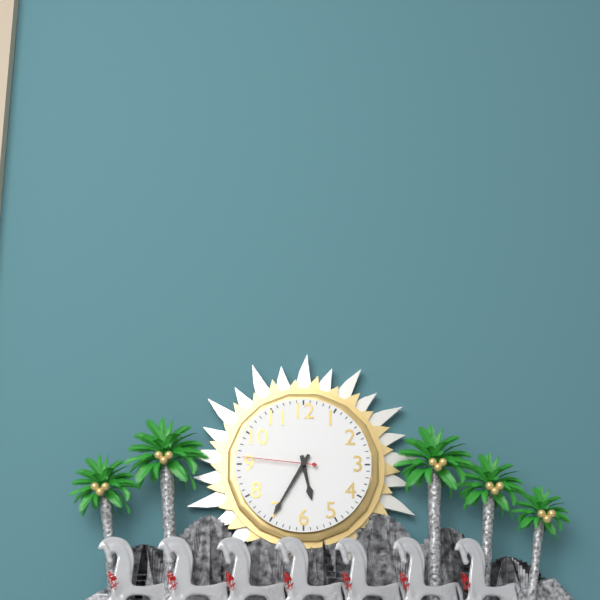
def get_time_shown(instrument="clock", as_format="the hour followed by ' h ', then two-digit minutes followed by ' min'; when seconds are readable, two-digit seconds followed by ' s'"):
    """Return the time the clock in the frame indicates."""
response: 5 h 35 min 46 s
